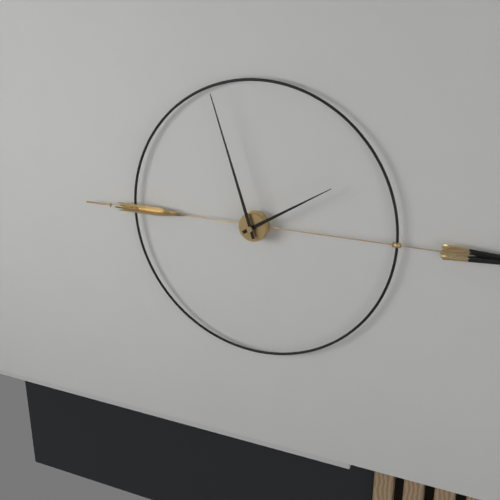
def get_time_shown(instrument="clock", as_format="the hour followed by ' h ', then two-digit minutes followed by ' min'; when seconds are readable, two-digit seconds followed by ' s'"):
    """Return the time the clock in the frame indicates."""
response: 1 h 57 min
